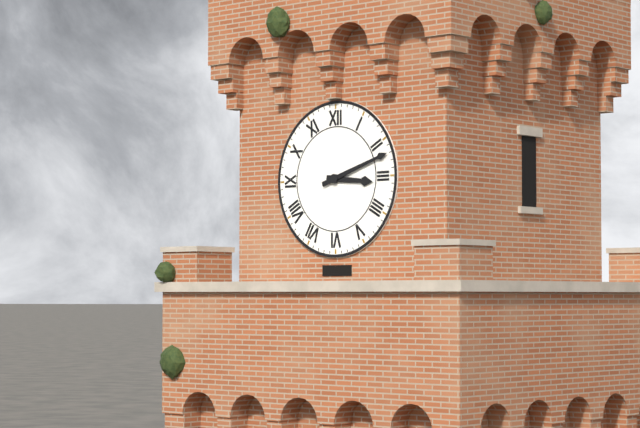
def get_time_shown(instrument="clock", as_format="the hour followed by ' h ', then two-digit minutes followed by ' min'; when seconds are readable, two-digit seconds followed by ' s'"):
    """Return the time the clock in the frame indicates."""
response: 3 h 12 min
